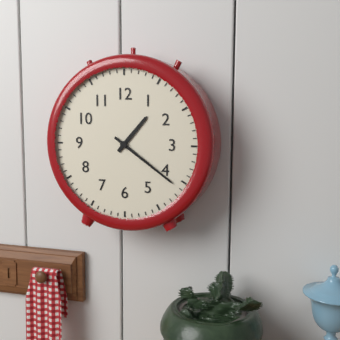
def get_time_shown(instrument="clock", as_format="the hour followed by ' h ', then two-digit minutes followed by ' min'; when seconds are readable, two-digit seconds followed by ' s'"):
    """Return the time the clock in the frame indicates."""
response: 1 h 21 min
